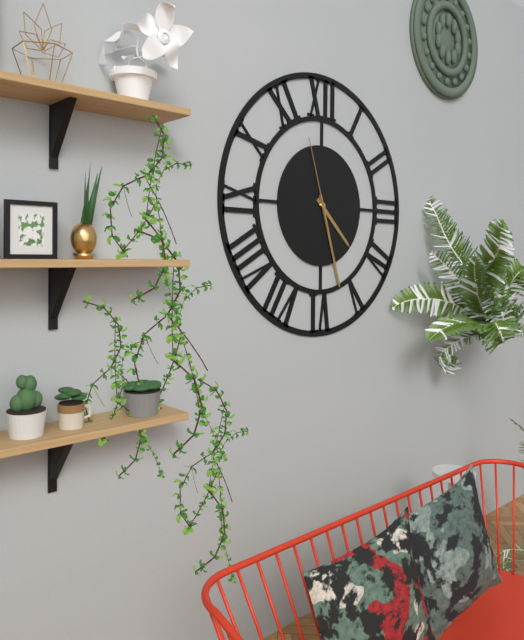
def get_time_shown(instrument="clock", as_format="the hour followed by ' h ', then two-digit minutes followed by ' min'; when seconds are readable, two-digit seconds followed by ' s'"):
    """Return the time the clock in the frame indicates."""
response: 4 h 27 min 57 s
